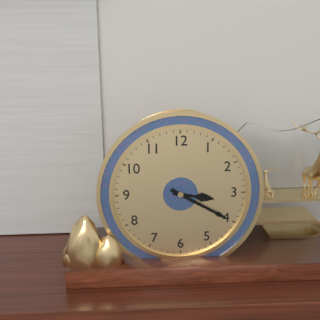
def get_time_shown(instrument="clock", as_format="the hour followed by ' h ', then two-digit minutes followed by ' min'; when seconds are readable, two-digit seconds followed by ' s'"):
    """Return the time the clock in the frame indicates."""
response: 3 h 20 min
